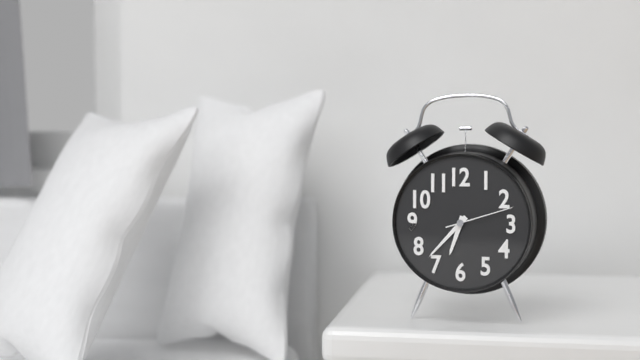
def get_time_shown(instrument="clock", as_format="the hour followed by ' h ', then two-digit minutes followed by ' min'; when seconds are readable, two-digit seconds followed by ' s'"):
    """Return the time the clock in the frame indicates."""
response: 6 h 37 min 12 s
